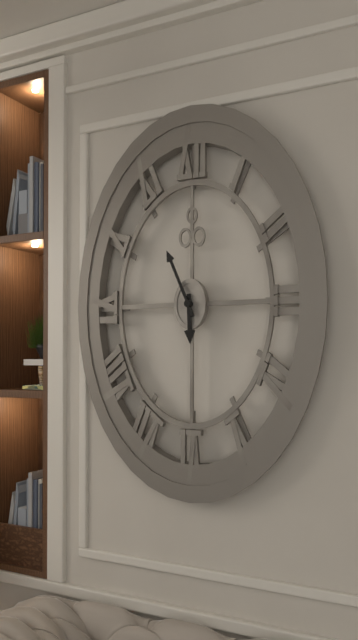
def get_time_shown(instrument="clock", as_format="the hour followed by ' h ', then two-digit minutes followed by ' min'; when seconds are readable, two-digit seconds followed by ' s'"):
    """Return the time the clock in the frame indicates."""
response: 5 h 56 min
